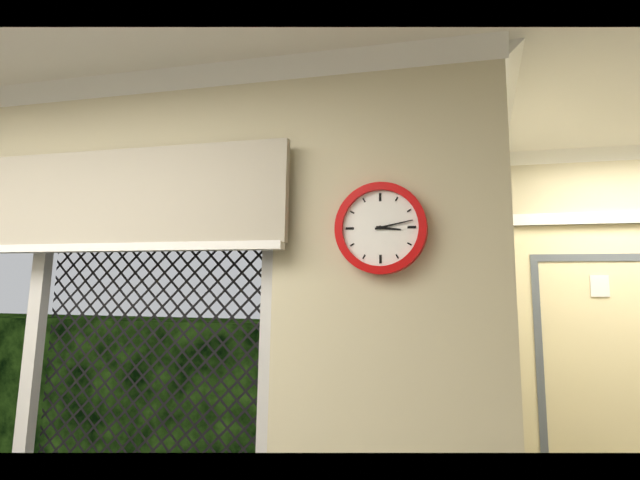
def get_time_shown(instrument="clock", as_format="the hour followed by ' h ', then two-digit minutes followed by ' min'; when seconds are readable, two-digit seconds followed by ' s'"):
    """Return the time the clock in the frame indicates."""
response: 3 h 13 min
